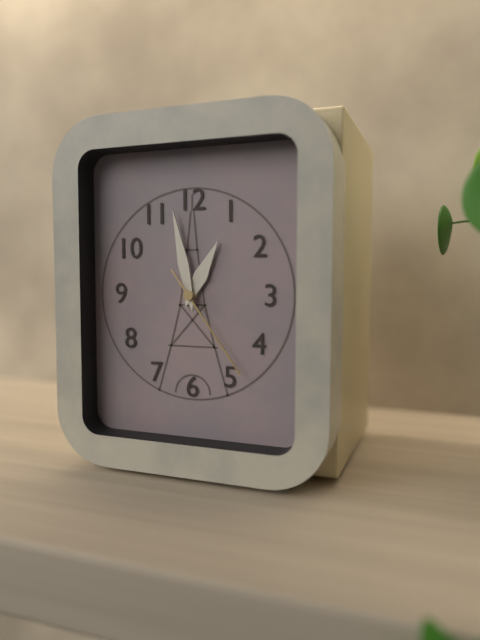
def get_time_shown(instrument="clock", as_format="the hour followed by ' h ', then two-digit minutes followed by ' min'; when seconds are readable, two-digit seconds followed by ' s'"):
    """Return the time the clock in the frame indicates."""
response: 12 h 58 min 24 s
